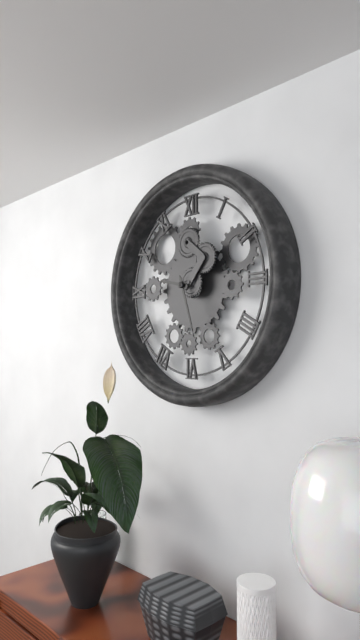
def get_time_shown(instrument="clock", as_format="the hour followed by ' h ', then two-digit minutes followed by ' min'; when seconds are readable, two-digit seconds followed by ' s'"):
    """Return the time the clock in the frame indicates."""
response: 9 h 27 min
